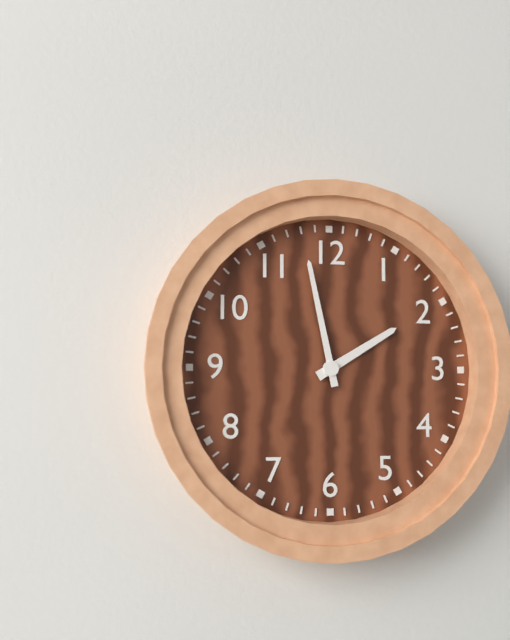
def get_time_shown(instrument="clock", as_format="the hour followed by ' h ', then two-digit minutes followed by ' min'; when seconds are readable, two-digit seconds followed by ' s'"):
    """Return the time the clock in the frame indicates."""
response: 1 h 58 min
